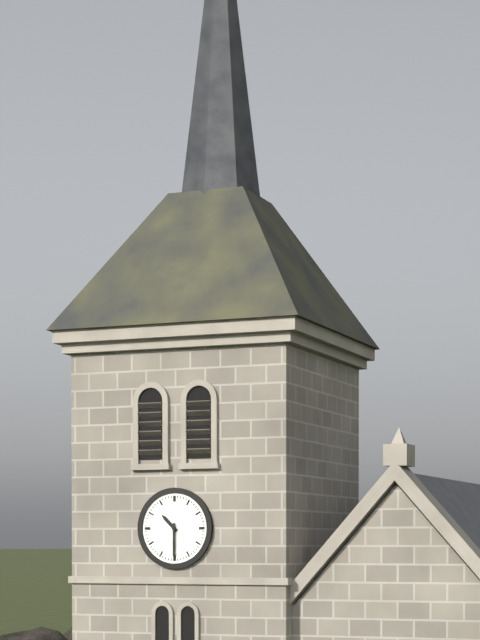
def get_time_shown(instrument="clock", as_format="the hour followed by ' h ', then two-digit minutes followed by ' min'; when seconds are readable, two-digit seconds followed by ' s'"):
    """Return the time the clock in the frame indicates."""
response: 10 h 30 min
